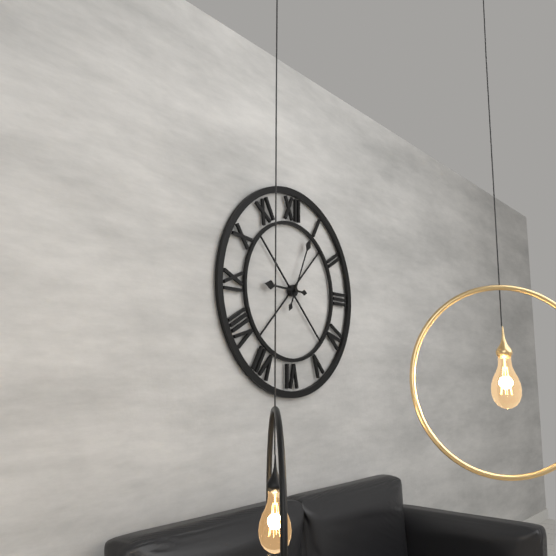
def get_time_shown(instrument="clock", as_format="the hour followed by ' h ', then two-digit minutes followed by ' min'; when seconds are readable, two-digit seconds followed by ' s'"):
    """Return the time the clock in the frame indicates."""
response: 9 h 04 min
